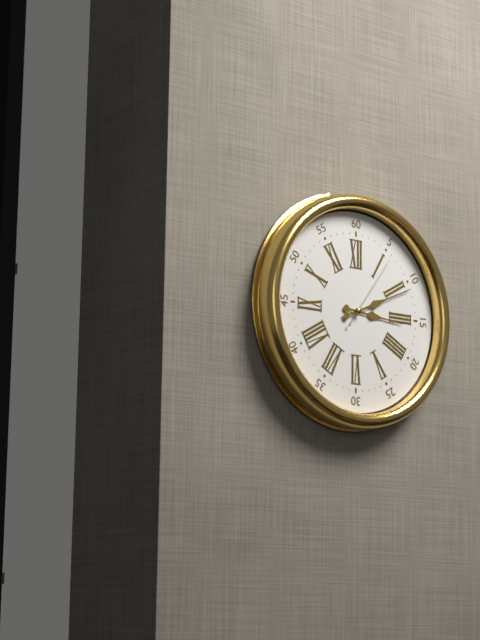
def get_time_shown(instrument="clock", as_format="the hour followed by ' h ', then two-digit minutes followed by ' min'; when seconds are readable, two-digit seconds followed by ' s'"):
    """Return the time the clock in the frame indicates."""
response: 3 h 11 min 06 s
